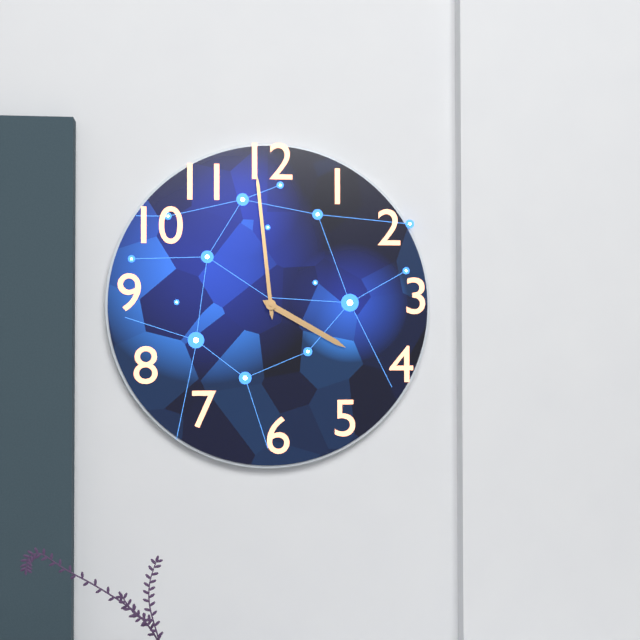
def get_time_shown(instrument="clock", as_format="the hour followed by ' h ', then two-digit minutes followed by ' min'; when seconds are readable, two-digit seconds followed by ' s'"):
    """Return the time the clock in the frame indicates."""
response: 3 h 59 min
